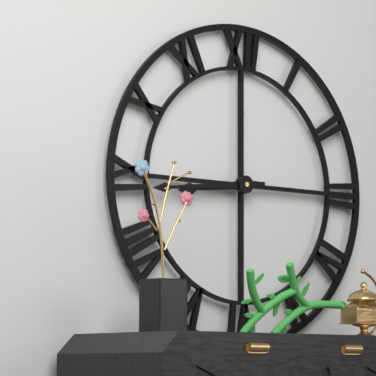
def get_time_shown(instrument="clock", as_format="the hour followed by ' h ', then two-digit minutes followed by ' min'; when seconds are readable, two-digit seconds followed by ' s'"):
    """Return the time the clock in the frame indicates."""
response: 8 h 44 min
